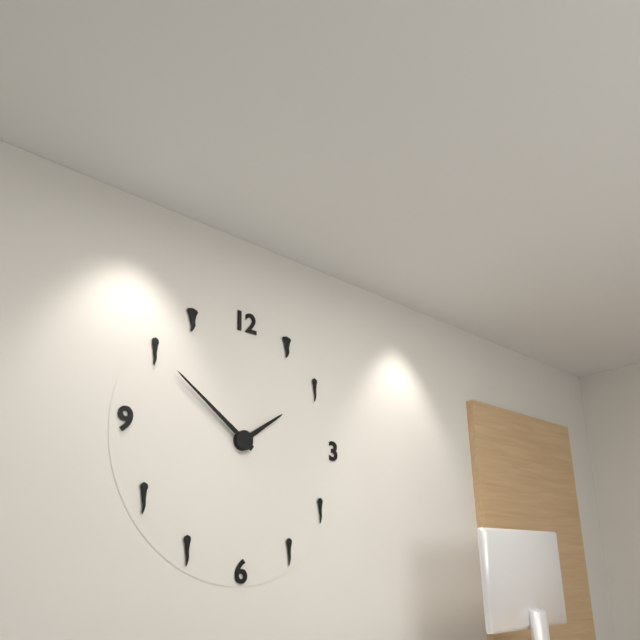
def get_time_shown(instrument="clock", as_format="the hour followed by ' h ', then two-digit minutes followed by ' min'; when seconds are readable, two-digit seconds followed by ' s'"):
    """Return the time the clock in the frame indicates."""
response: 1 h 51 min
